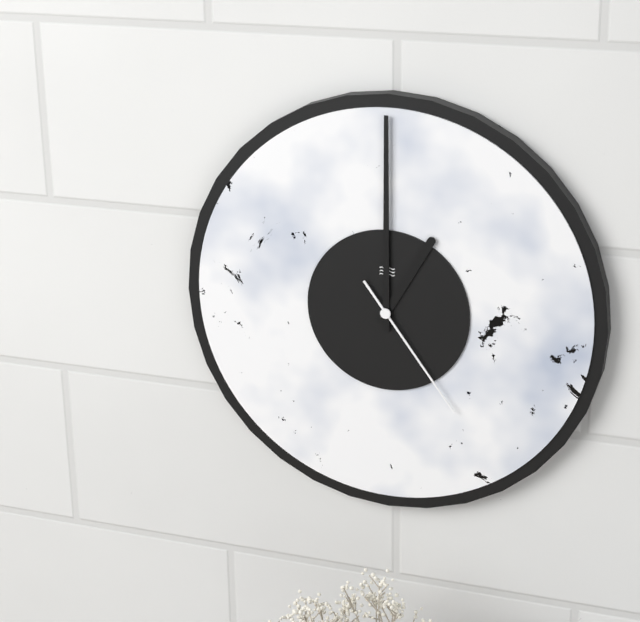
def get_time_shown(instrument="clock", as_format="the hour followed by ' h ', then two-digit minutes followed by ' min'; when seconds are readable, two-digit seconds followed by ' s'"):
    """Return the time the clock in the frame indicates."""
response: 1 h 00 min 24 s
